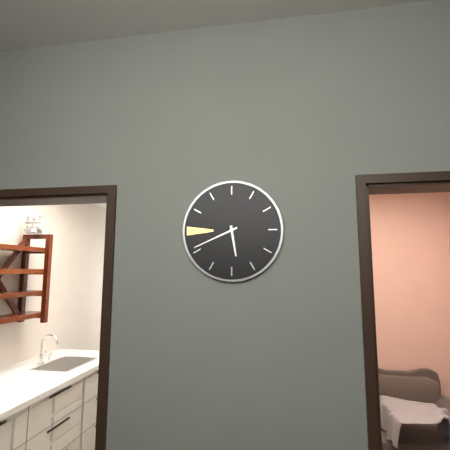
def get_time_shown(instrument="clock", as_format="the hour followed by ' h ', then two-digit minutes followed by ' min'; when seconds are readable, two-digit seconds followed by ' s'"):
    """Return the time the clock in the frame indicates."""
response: 5 h 41 min
